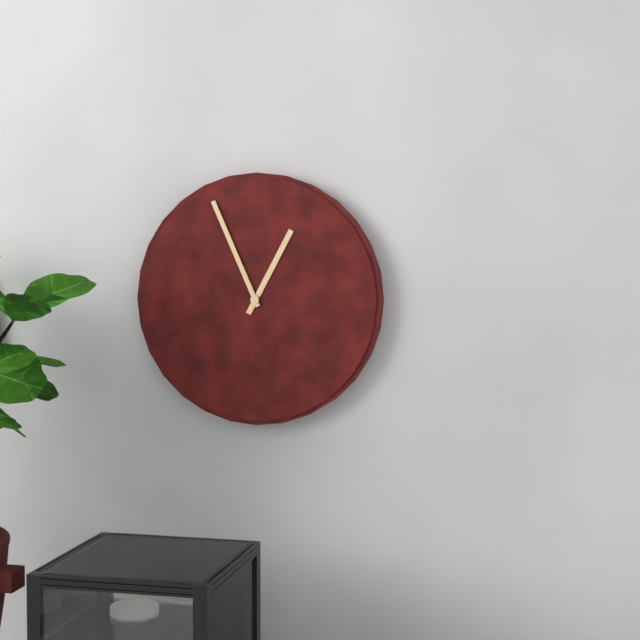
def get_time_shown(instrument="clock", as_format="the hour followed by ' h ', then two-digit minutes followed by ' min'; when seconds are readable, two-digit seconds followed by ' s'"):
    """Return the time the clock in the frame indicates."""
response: 12 h 56 min
